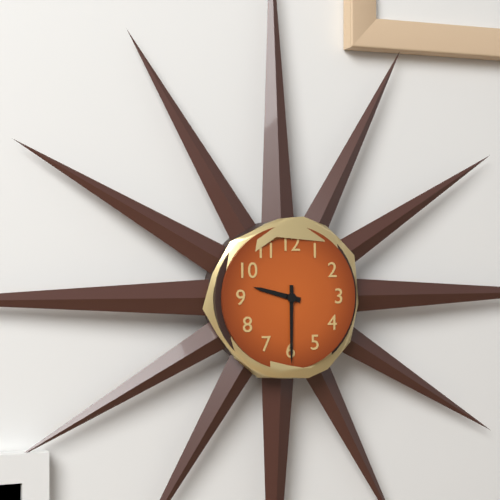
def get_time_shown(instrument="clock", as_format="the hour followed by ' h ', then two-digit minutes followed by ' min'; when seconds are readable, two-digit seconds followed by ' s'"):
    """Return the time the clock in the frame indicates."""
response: 9 h 30 min
